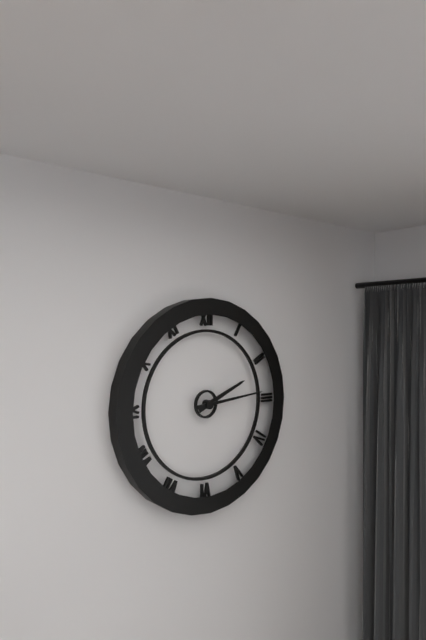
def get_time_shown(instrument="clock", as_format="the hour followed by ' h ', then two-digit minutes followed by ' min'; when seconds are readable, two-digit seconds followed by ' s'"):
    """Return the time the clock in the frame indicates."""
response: 2 h 14 min
